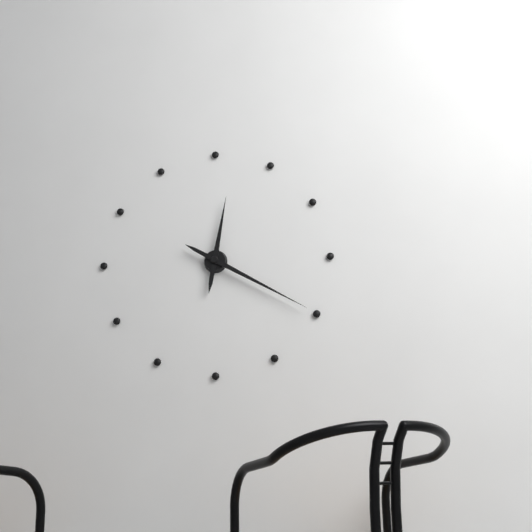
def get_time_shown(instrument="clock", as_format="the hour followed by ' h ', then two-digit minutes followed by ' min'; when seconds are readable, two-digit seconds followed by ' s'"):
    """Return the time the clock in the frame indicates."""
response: 12 h 20 min
